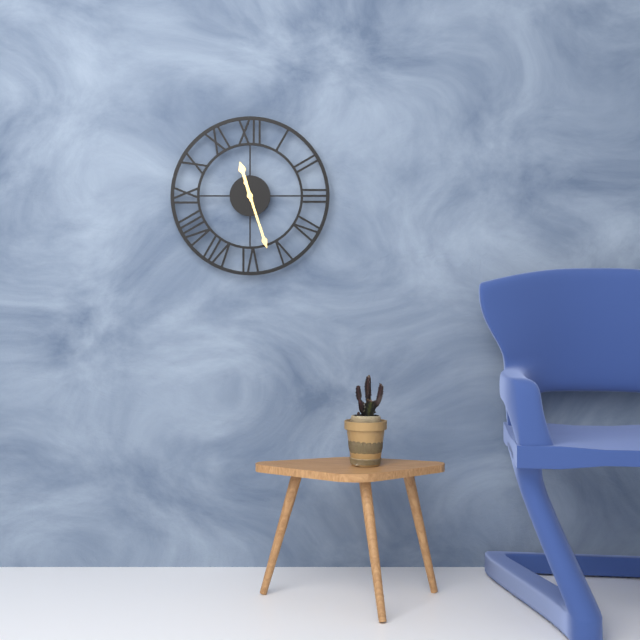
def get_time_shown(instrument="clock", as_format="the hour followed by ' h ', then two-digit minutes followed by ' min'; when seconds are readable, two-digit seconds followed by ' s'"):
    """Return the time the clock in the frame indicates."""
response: 11 h 27 min
